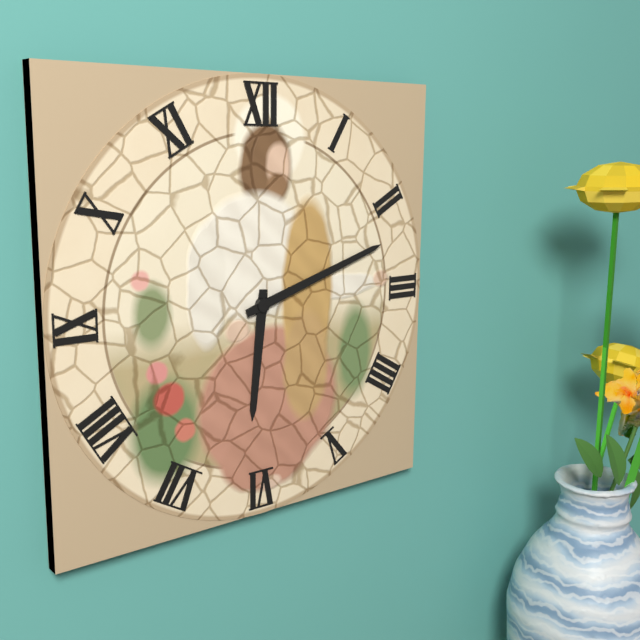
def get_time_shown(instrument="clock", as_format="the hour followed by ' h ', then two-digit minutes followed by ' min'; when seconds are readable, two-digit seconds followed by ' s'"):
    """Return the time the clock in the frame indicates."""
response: 6 h 12 min
